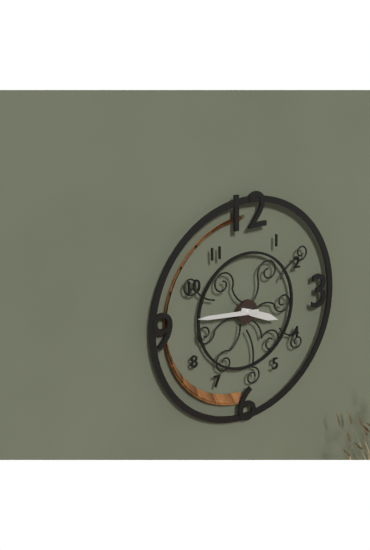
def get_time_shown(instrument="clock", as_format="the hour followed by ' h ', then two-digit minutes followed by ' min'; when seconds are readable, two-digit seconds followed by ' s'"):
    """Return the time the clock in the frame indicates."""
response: 3 h 46 min
